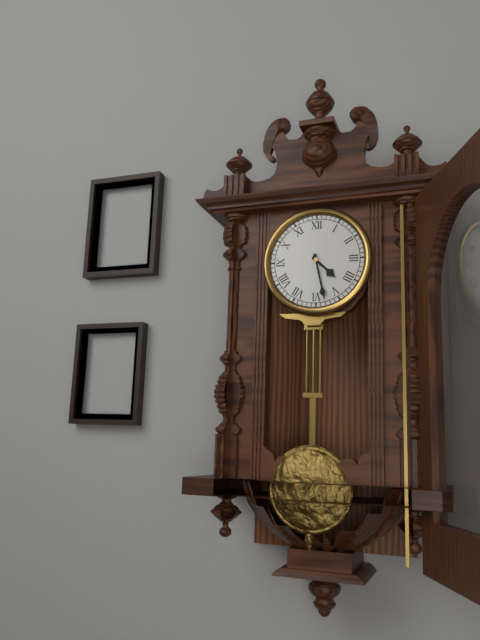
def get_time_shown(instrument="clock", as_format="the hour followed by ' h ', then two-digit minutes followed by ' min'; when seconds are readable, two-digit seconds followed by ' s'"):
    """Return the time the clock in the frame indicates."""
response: 4 h 28 min
